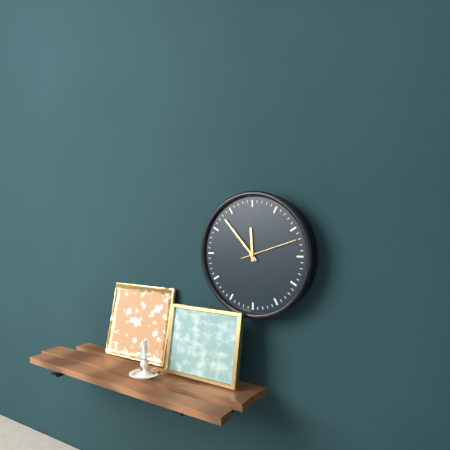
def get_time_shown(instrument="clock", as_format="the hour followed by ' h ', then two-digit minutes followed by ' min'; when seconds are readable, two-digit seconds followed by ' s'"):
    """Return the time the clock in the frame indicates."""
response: 11 h 53 min
